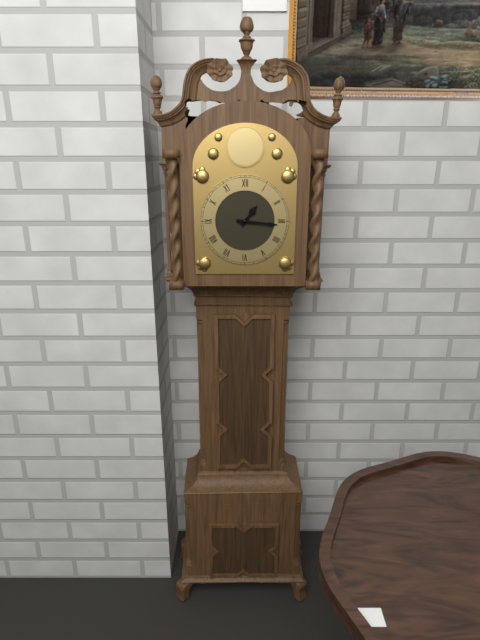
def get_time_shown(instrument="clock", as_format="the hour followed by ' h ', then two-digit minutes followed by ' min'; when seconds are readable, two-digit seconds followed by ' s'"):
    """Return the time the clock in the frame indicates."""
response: 1 h 16 min
